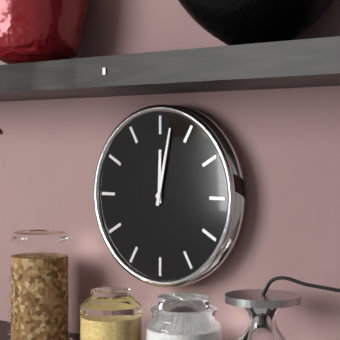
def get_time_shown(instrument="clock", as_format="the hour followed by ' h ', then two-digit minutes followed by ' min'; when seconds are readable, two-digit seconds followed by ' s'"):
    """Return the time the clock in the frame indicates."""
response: 12 h 02 min
